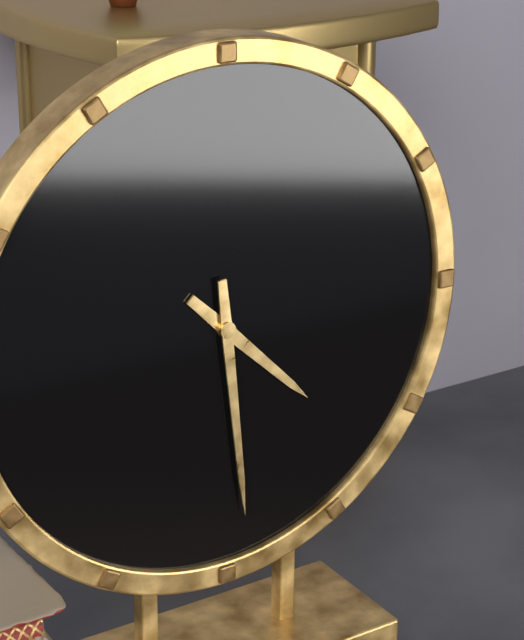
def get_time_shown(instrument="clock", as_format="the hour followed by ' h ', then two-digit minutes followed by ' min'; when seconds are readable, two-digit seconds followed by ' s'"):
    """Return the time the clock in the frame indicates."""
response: 4 h 29 min
